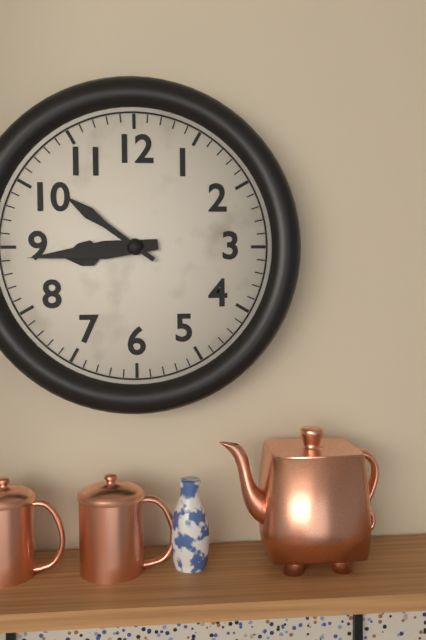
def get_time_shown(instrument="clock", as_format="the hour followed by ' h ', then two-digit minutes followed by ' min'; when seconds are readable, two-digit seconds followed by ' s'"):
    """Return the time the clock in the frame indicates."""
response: 8 h 44 min 51 s
